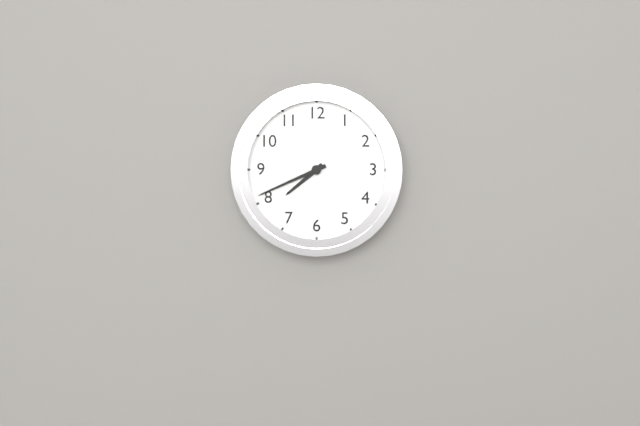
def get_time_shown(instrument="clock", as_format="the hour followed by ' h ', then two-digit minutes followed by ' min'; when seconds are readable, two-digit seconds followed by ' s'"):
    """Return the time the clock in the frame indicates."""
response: 7 h 41 min
